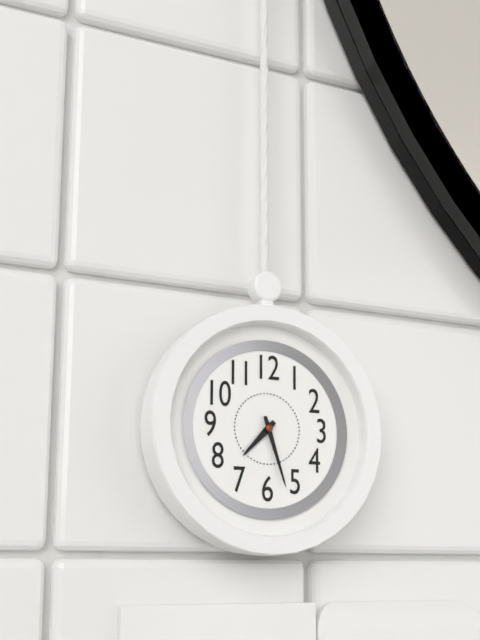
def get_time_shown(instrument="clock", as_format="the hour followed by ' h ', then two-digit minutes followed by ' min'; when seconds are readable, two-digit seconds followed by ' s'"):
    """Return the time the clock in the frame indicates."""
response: 7 h 27 min
